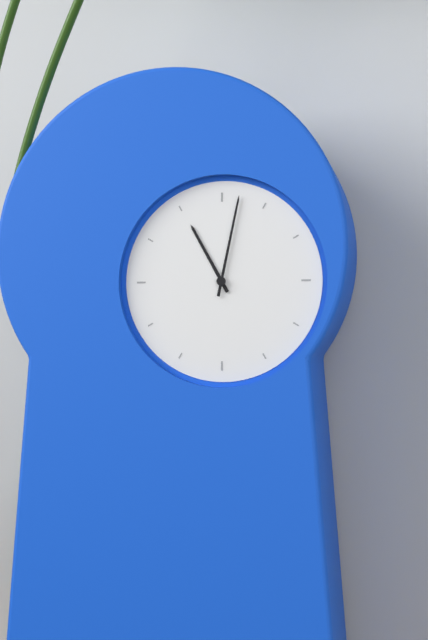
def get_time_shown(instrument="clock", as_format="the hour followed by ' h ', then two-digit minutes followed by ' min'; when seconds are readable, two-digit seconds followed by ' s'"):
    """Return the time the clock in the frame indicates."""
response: 11 h 02 min
